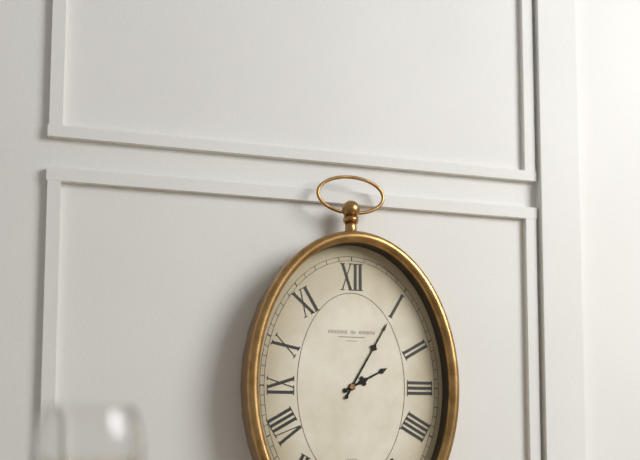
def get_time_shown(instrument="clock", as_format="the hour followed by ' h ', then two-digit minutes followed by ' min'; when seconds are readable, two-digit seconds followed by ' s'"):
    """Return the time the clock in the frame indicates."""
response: 2 h 05 min
